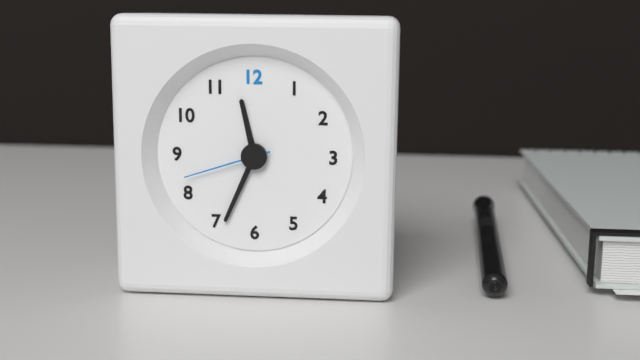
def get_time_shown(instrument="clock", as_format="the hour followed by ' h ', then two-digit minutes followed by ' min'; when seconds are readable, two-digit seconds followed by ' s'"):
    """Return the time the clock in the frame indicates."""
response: 11 h 34 min 42 s
